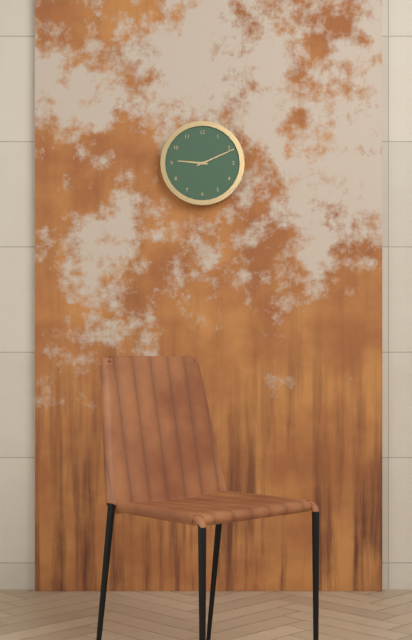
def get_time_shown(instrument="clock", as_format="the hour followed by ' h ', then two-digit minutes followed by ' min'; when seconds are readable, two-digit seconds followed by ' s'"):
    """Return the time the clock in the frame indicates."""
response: 9 h 11 min
